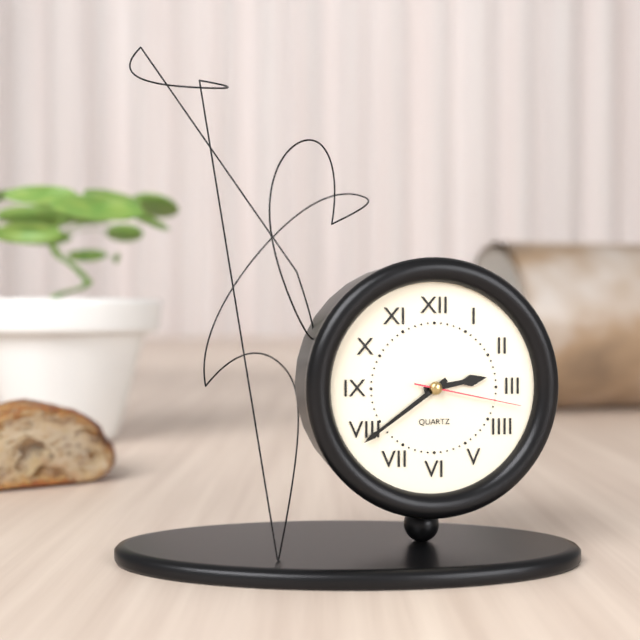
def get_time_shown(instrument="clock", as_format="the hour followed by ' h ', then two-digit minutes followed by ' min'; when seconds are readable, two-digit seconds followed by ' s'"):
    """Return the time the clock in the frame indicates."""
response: 2 h 39 min 17 s
